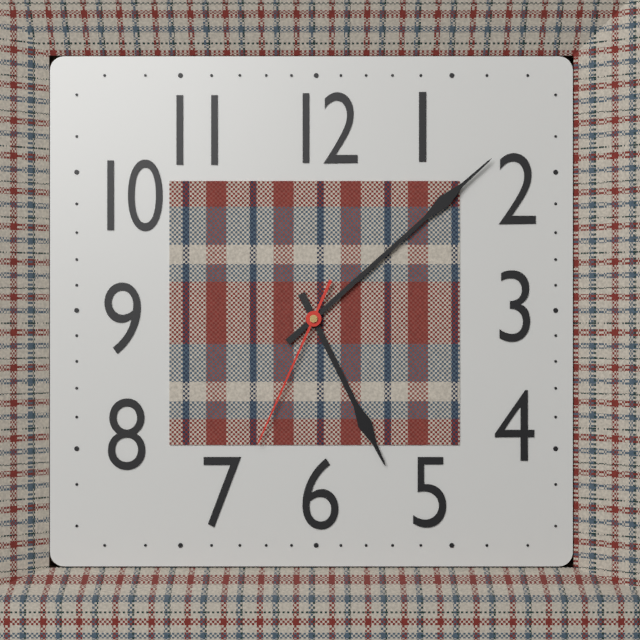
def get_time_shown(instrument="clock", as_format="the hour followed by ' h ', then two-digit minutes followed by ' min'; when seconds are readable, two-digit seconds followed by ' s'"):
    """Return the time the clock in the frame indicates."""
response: 5 h 08 min 34 s
